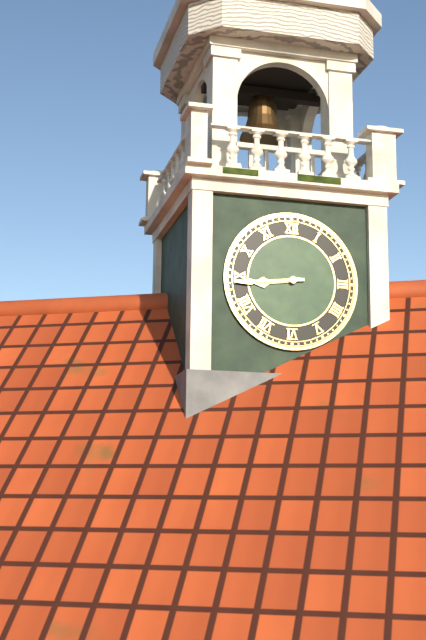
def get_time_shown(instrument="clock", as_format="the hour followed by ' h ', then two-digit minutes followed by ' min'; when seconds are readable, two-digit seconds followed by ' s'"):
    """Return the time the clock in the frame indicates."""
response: 8 h 44 min
